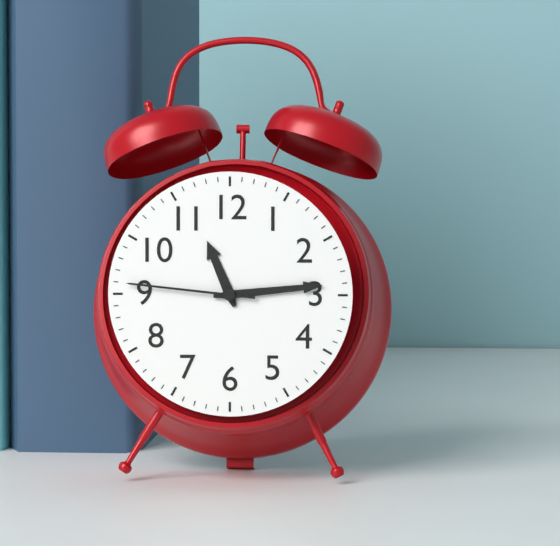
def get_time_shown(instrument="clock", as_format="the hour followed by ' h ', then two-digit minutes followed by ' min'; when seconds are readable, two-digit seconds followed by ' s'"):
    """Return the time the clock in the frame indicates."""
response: 11 h 14 min 46 s
